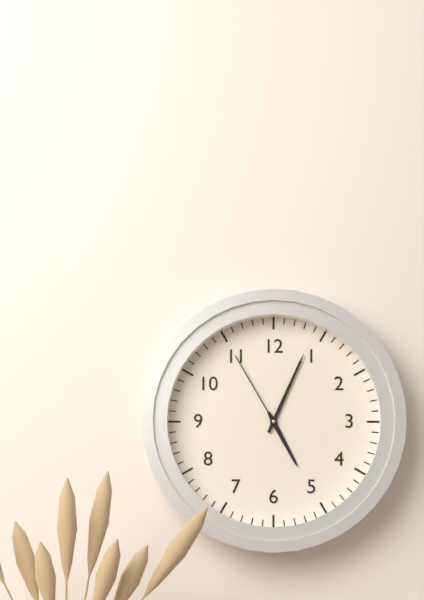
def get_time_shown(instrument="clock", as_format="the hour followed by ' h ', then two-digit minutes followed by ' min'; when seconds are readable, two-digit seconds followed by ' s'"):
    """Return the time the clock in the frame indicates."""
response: 5 h 04 min 55 s
